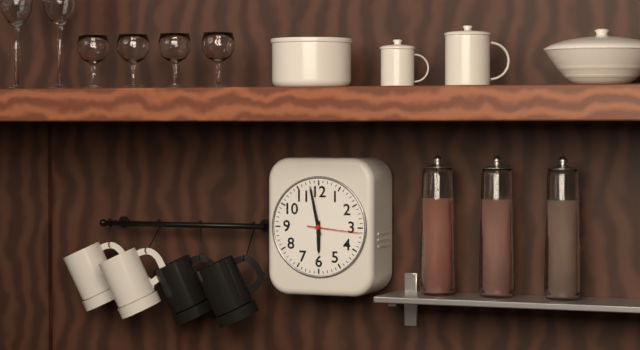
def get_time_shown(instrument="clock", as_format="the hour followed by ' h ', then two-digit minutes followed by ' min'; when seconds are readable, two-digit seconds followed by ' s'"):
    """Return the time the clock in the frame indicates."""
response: 5 h 58 min 16 s
